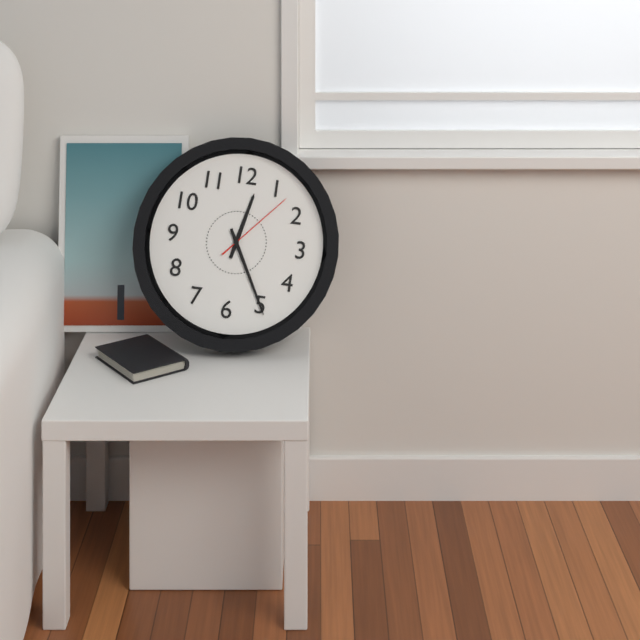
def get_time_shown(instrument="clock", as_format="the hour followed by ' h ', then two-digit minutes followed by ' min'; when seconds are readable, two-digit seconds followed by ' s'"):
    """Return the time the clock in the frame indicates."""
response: 12 h 25 min 07 s
